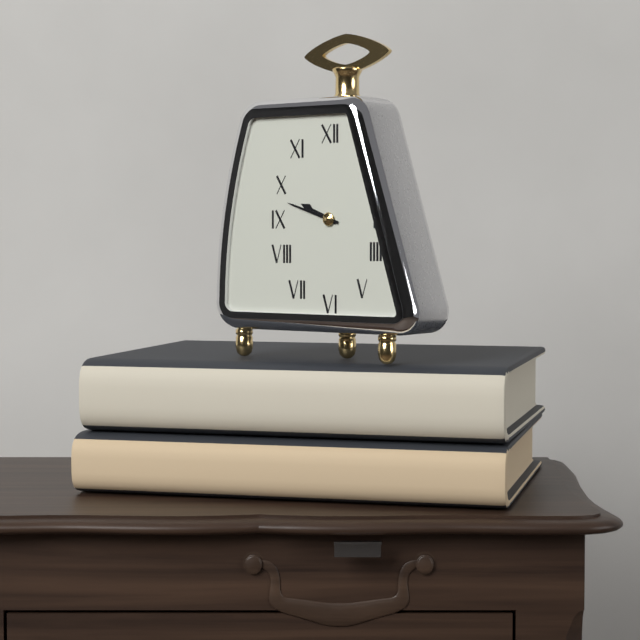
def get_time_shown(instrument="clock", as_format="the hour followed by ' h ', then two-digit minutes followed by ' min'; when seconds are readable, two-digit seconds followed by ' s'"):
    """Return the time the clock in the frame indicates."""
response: 9 h 48 min
